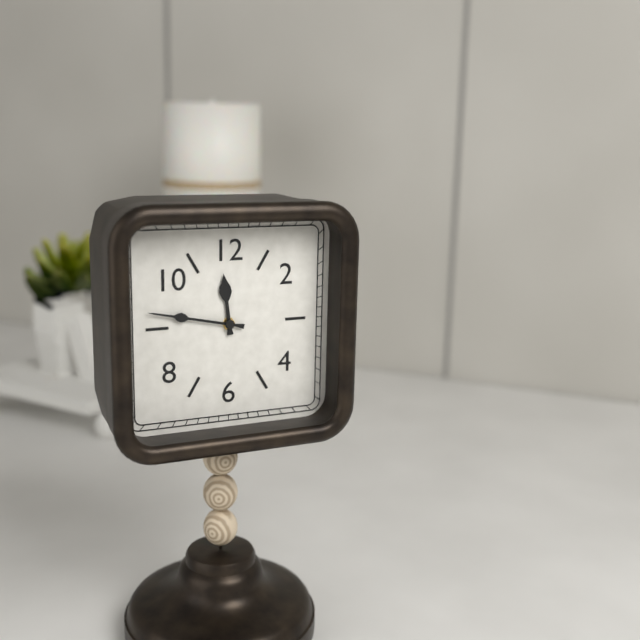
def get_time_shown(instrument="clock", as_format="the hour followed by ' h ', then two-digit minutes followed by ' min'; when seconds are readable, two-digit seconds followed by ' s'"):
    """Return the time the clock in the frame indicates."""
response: 11 h 47 min
